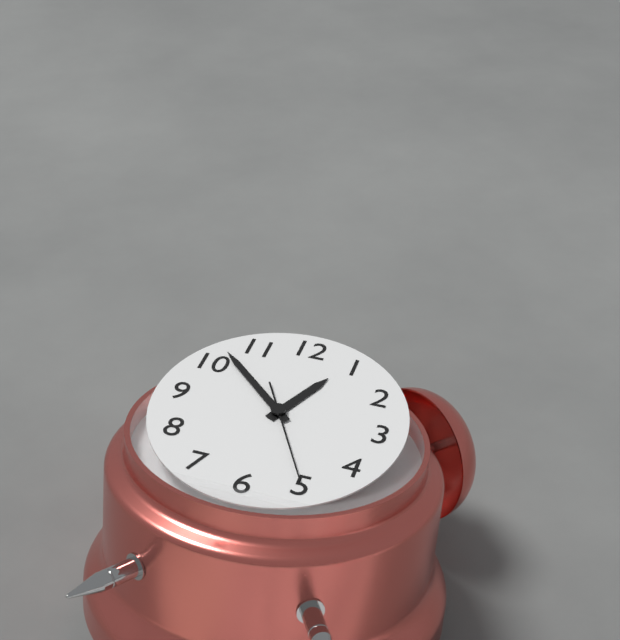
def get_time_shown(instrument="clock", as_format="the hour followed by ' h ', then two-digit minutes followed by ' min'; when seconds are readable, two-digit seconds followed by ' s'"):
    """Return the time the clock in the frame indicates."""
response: 12 h 52 min 25 s
